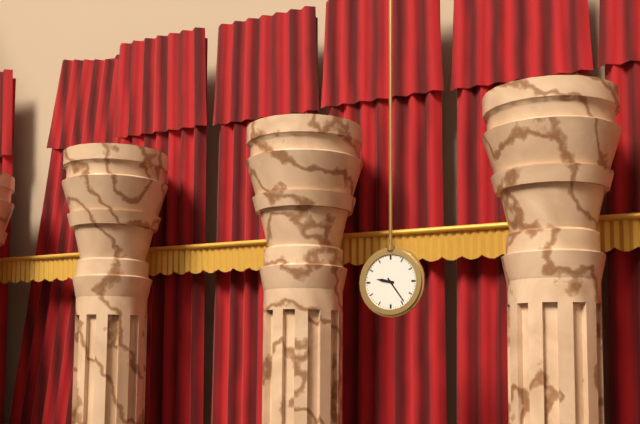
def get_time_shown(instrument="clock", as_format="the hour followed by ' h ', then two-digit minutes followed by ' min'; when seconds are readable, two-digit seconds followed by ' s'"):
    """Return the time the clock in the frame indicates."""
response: 9 h 24 min
